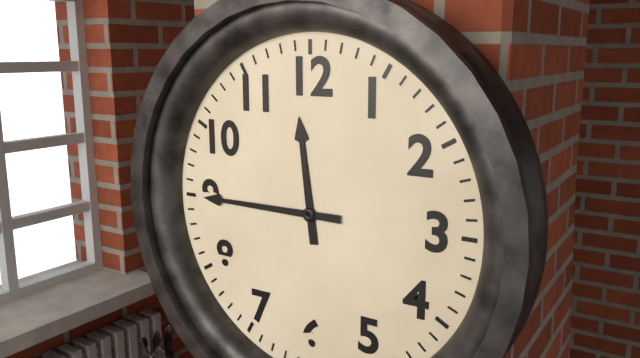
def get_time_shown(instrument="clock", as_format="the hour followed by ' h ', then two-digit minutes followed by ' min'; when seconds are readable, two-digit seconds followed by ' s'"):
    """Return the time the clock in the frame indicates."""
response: 11 h 45 min
